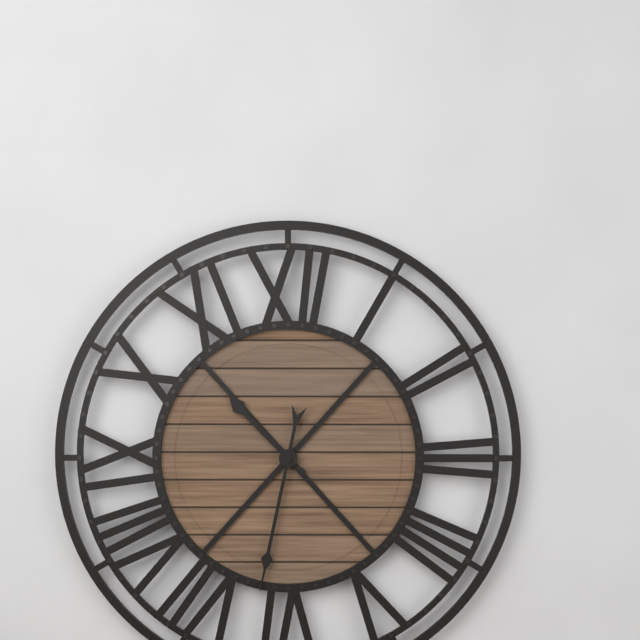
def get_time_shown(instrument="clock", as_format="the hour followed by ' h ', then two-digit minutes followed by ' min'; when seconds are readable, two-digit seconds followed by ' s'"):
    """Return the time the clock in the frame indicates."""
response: 10 h 32 min
